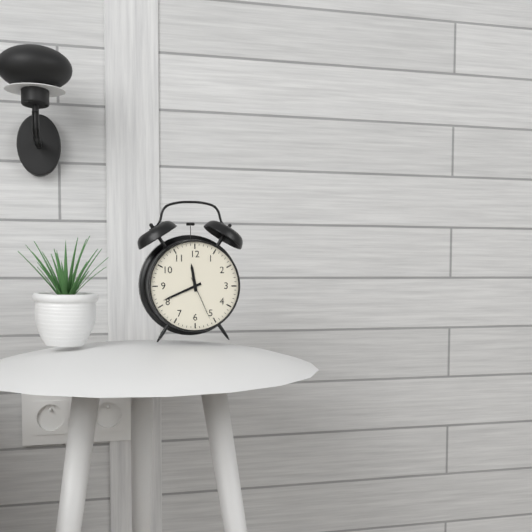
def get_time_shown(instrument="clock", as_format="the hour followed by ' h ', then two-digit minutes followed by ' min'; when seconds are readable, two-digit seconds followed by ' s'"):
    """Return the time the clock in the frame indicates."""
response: 11 h 41 min
